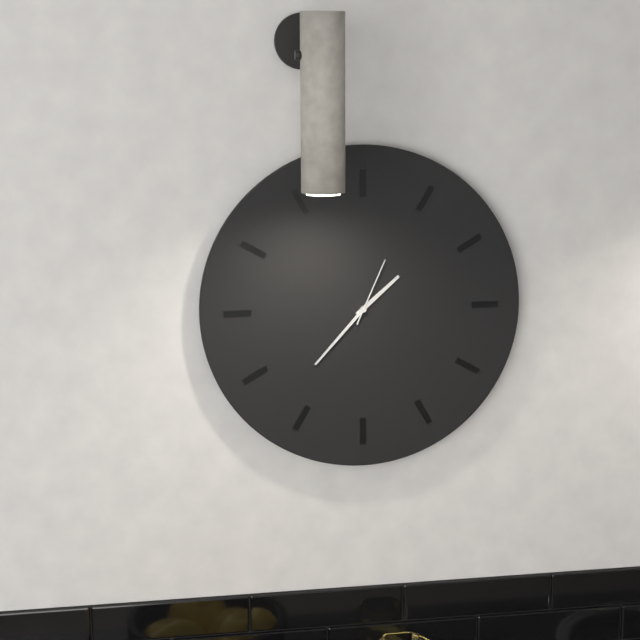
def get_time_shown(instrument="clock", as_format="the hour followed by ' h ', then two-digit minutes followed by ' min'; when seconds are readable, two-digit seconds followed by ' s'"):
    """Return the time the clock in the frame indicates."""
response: 1 h 37 min 04 s
